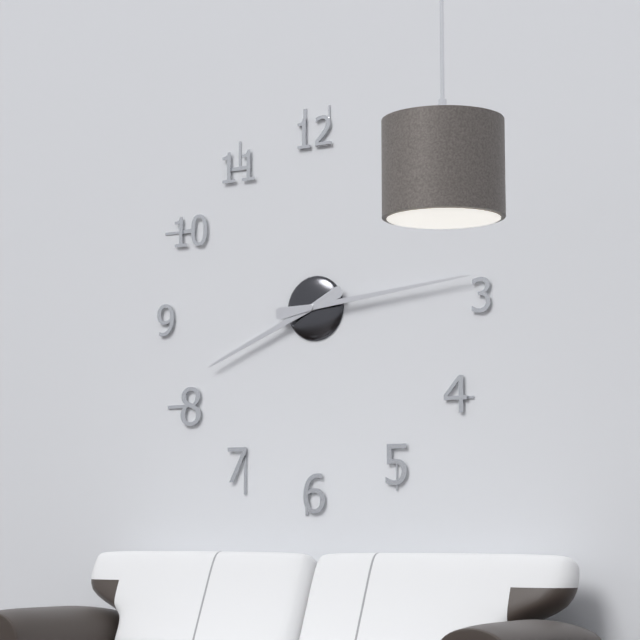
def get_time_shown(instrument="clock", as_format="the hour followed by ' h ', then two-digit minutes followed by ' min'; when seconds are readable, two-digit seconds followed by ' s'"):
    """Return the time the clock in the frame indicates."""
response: 8 h 14 min
